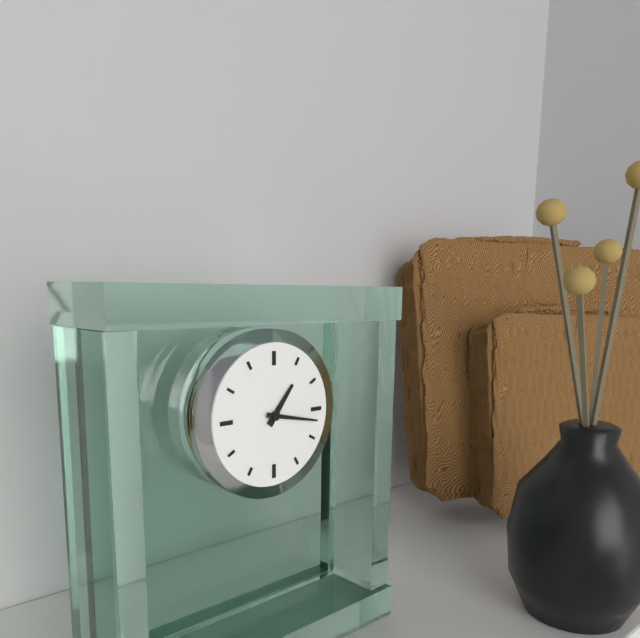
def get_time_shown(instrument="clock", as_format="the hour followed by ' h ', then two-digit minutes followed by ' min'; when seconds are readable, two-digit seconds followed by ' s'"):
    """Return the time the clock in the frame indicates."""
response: 1 h 17 min
